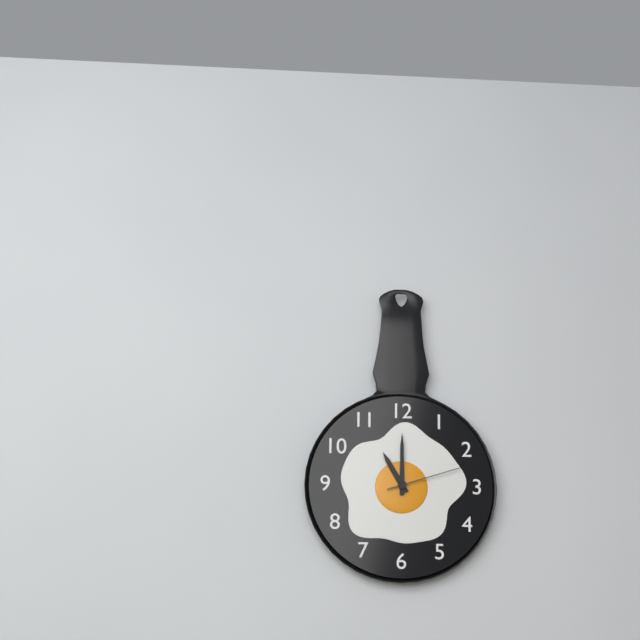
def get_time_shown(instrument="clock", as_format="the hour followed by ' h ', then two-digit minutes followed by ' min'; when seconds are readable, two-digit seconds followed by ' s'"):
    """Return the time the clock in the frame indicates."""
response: 11 h 00 min 12 s
